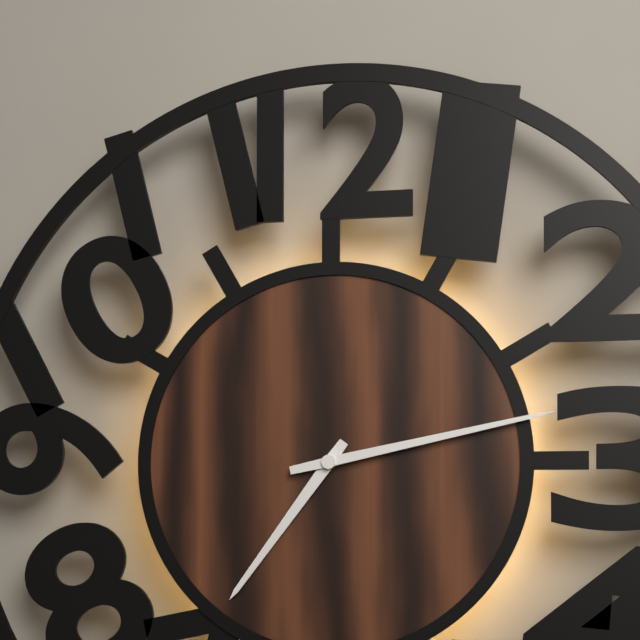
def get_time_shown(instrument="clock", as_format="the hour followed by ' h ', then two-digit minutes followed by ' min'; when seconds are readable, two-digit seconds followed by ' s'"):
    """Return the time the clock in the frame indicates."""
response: 7 h 13 min
